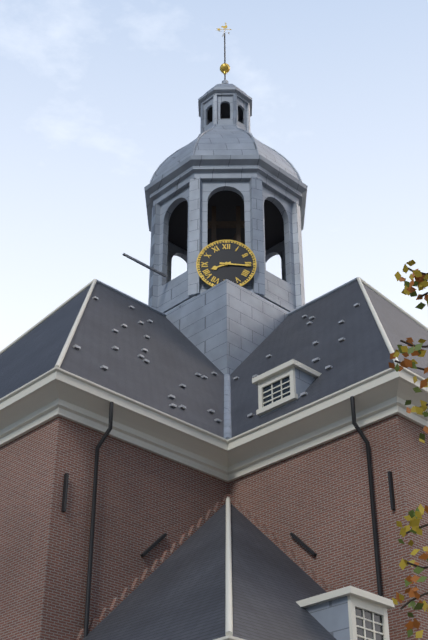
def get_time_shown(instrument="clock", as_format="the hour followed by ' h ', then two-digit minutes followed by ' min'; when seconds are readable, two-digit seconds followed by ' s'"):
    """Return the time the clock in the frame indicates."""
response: 8 h 16 min
